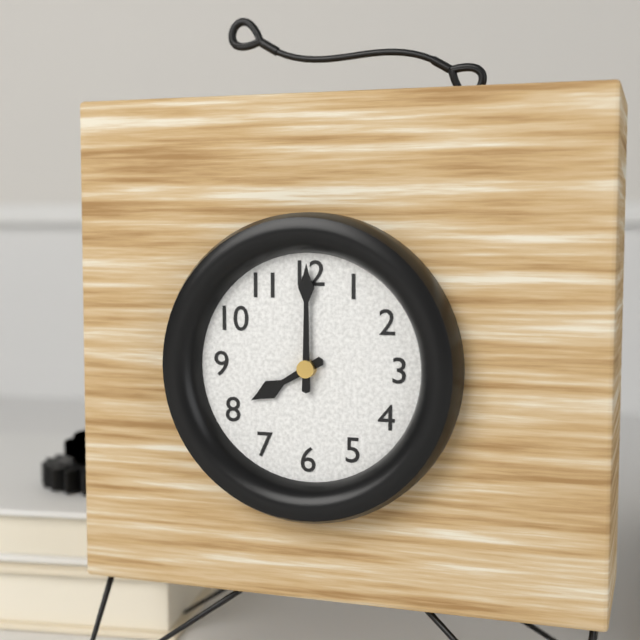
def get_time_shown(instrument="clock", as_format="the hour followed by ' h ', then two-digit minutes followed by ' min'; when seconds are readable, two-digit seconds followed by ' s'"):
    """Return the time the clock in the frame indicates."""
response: 8 h 00 min
